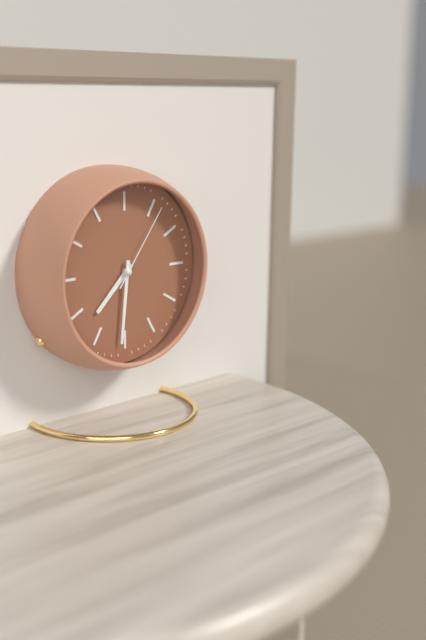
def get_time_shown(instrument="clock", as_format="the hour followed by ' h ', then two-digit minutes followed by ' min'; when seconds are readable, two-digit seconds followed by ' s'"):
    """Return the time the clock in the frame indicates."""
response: 7 h 31 min 06 s
